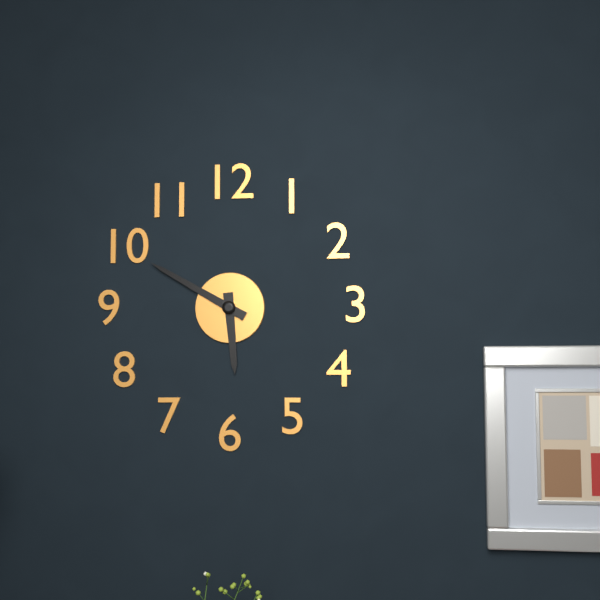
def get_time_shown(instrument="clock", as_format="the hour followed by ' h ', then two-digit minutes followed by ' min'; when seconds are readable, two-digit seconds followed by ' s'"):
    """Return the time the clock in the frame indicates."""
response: 5 h 50 min
